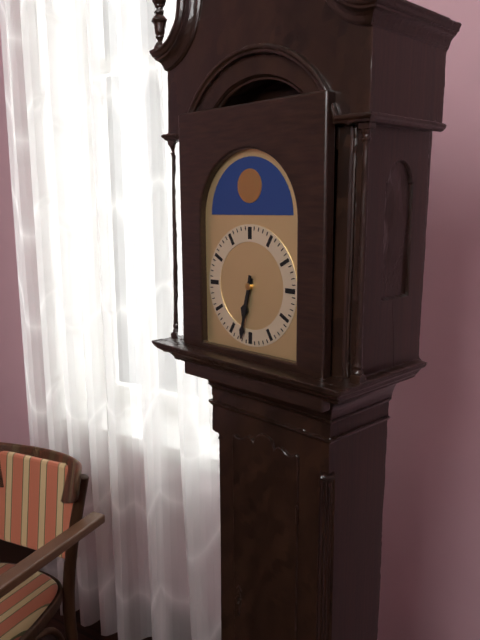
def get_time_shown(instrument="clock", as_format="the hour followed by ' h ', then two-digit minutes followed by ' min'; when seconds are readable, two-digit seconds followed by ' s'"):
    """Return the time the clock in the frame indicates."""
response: 6 h 32 min
